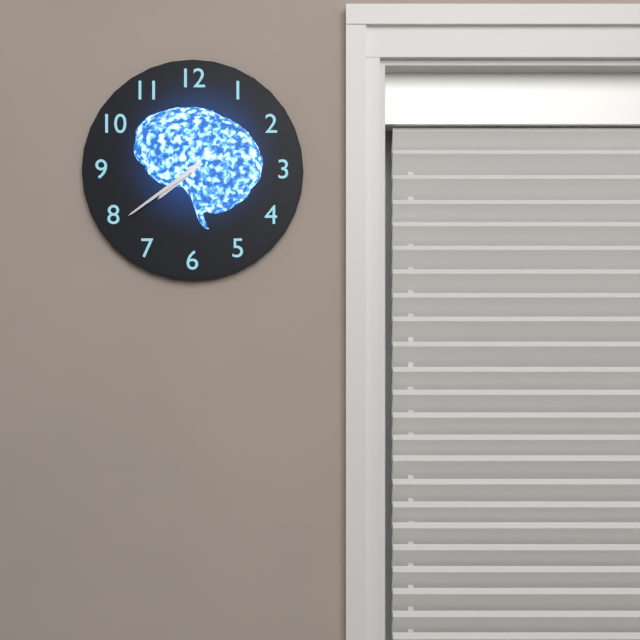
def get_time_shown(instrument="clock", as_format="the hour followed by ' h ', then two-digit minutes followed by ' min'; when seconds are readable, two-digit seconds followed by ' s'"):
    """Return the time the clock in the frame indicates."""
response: 7 h 39 min
